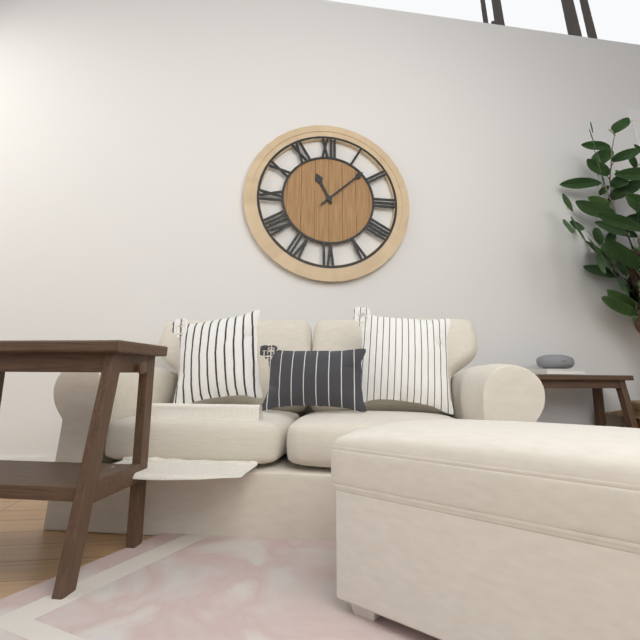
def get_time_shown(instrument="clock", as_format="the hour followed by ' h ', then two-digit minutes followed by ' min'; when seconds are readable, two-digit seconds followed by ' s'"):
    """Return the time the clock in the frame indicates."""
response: 11 h 08 min
